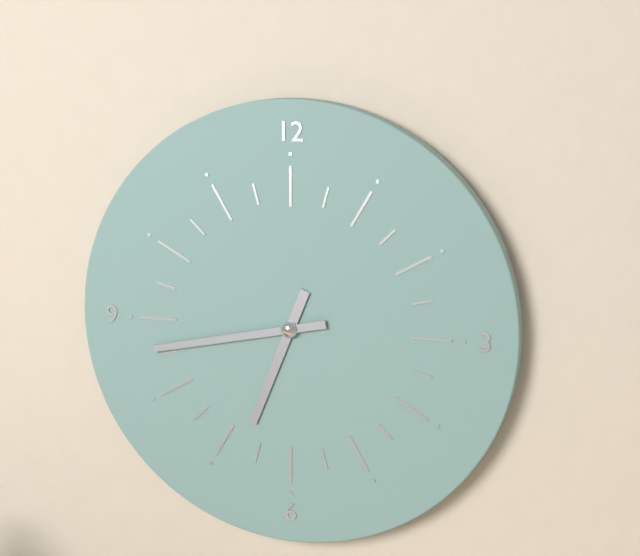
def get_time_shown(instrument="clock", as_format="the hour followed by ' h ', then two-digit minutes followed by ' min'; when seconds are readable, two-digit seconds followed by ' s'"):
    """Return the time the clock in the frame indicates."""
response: 6 h 43 min
